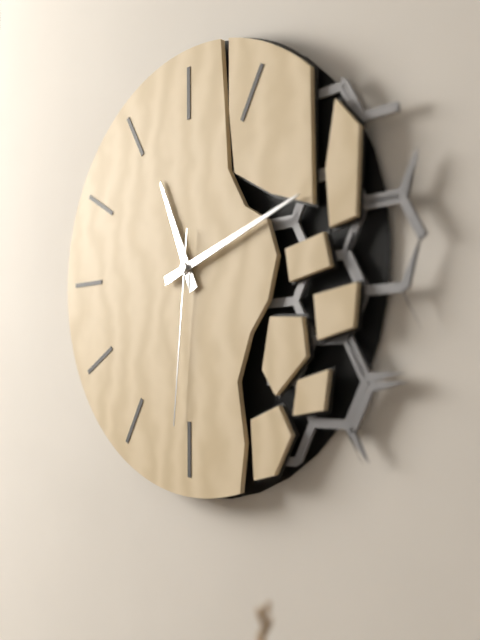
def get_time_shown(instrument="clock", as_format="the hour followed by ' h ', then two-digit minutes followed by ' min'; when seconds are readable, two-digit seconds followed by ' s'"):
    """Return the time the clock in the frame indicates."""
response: 11 h 12 min 31 s
